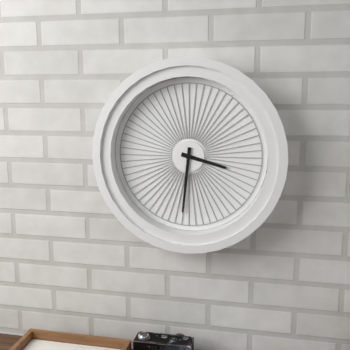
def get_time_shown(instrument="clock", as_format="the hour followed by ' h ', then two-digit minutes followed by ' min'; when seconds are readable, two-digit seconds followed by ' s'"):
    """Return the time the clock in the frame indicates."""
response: 3 h 31 min
